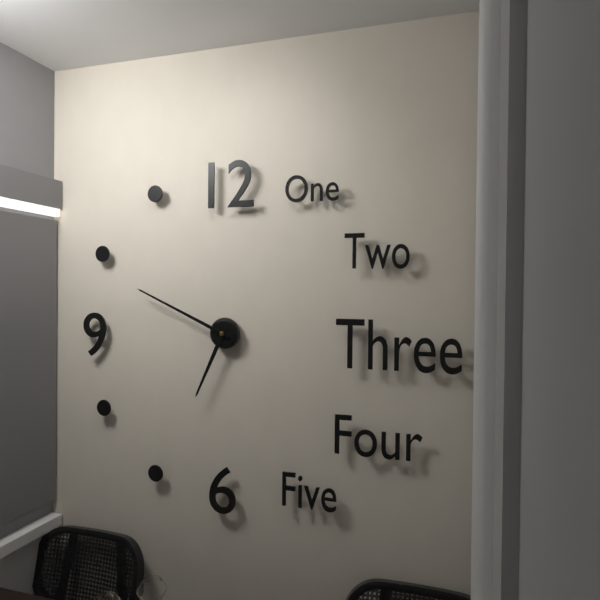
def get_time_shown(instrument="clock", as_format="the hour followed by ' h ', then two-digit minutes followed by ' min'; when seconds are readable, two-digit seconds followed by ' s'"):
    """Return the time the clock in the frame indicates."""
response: 6 h 49 min
